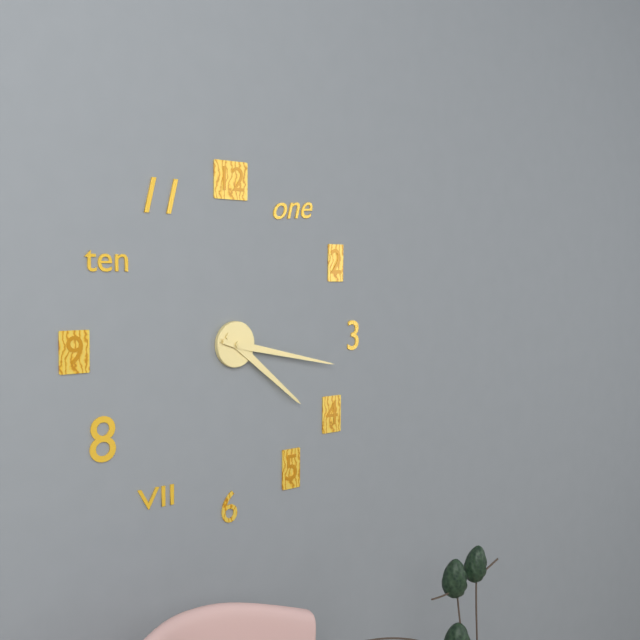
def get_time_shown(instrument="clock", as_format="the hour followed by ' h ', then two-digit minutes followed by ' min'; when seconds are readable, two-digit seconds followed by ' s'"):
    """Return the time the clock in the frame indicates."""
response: 4 h 17 min
